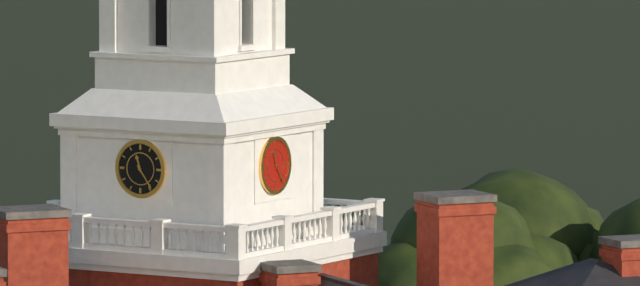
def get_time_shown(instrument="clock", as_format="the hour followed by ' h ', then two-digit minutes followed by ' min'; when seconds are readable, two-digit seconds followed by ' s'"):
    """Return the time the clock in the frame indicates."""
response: 11 h 24 min
